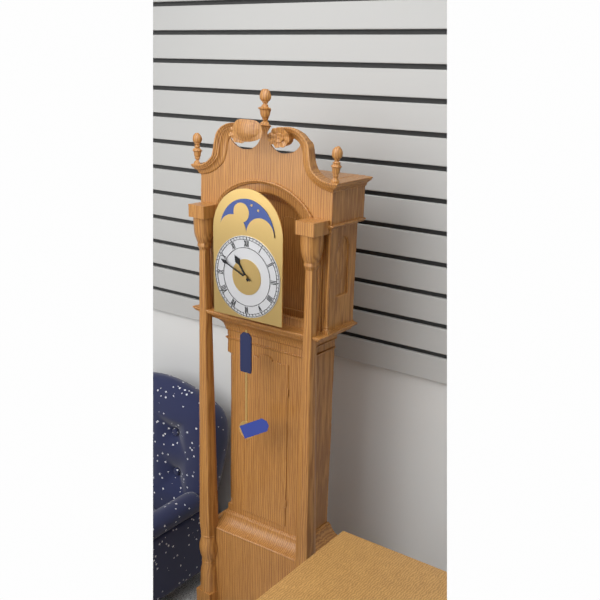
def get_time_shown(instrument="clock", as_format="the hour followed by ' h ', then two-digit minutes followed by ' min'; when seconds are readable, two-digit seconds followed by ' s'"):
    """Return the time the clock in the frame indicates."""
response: 10 h 49 min
